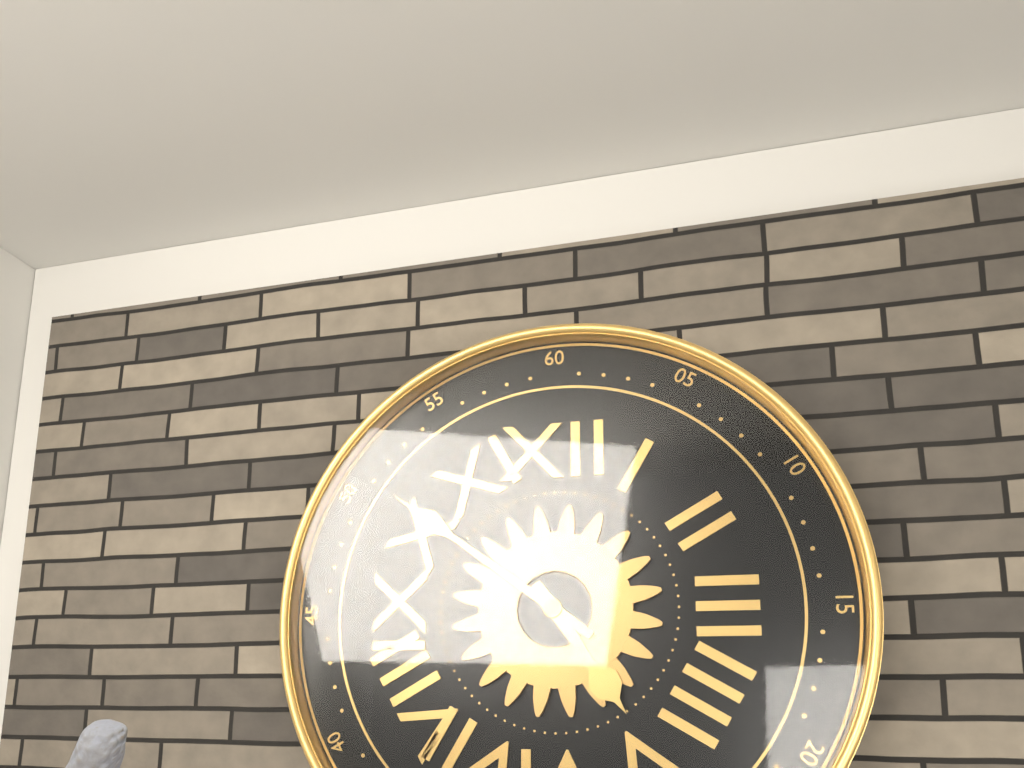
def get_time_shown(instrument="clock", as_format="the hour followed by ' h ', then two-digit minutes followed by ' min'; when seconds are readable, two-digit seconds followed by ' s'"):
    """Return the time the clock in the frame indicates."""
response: 4 h 51 min
